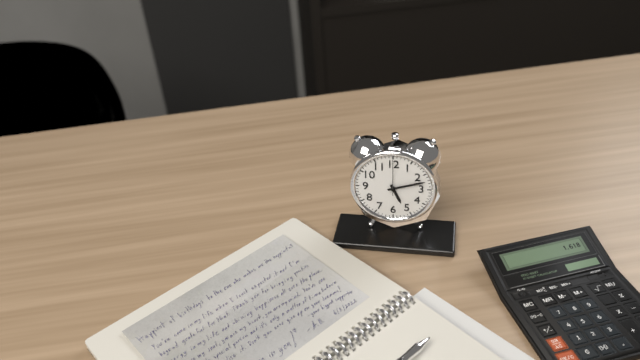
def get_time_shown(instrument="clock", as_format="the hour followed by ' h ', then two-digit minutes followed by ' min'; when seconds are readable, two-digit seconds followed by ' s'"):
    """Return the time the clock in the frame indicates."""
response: 5 h 12 min
